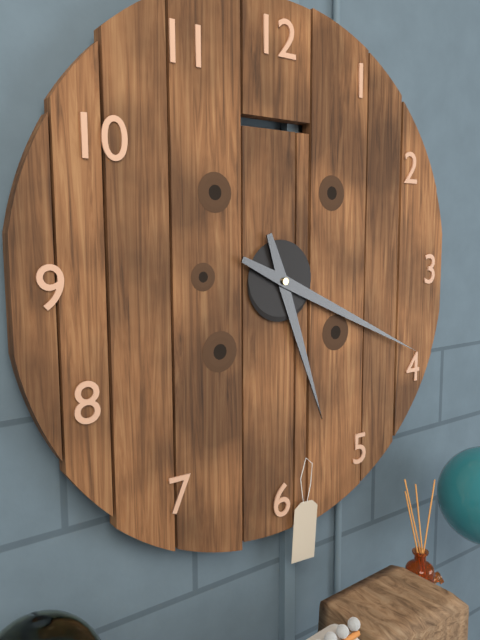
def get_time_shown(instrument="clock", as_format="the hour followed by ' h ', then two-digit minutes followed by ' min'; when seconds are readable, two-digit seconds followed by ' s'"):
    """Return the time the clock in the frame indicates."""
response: 5 h 19 min
